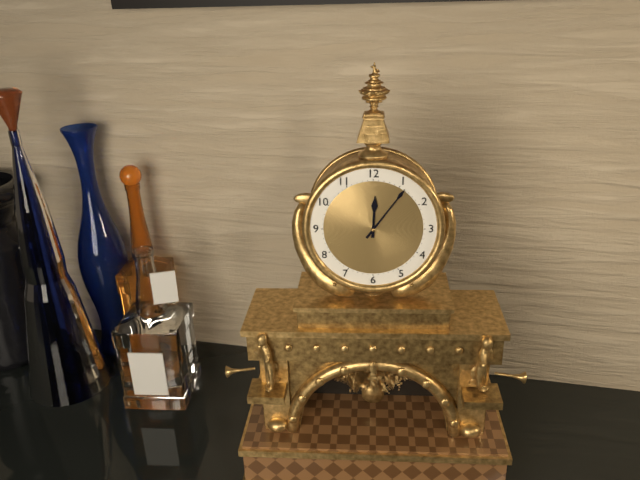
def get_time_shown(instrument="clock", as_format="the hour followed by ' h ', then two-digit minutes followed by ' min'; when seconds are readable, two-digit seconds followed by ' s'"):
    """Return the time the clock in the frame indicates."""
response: 12 h 06 min
